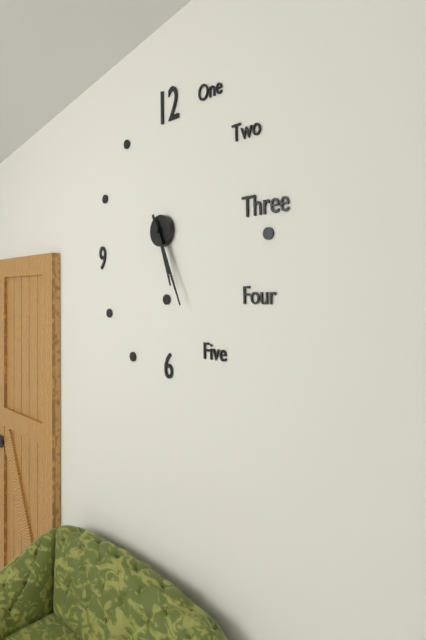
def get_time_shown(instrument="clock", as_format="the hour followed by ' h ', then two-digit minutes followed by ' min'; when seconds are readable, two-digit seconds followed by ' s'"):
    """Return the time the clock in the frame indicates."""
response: 5 h 26 min
